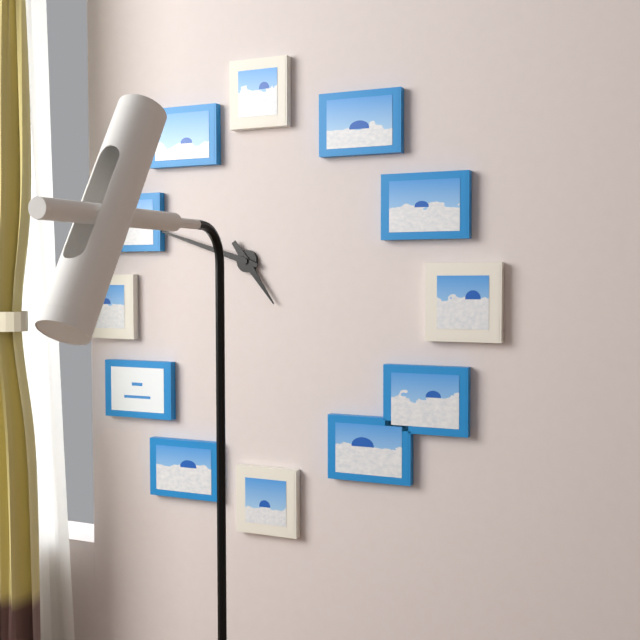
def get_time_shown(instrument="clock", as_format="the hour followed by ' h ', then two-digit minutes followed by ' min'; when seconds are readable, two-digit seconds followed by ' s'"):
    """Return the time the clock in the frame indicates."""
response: 4 h 48 min
